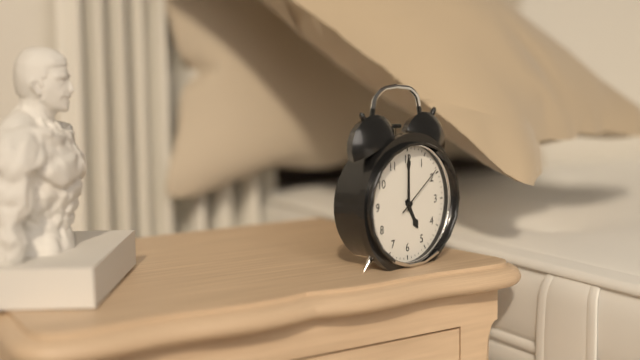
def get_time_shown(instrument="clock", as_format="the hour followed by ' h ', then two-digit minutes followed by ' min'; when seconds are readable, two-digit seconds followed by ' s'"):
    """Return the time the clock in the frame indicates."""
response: 5 h 00 min 09 s
